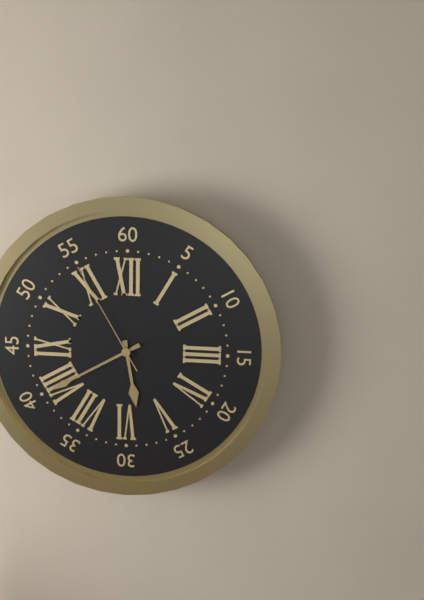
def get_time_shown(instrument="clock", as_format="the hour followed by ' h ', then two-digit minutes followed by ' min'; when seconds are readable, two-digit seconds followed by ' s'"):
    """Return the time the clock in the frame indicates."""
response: 5 h 40 min 55 s
